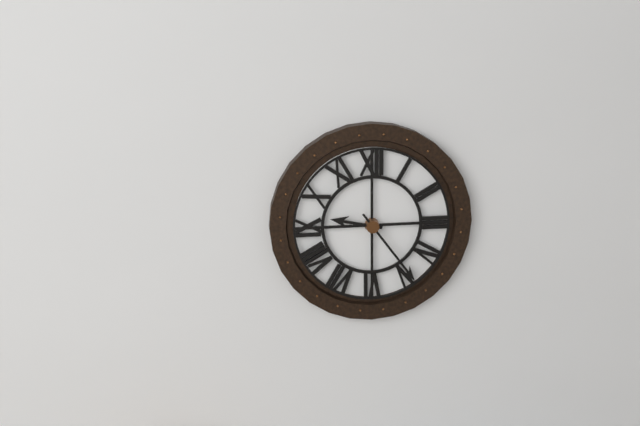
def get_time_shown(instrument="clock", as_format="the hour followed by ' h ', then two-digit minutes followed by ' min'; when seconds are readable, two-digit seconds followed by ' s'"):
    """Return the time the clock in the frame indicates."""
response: 9 h 24 min
